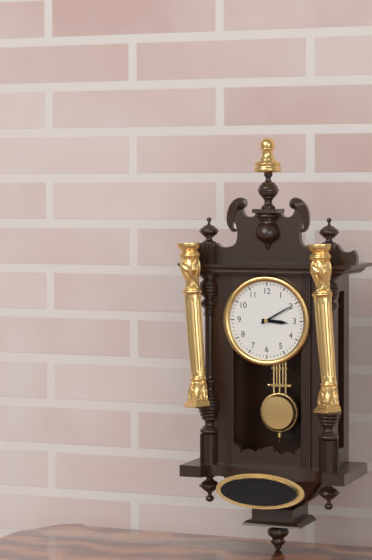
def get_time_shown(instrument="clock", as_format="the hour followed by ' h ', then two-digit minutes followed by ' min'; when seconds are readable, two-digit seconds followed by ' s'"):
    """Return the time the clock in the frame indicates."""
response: 3 h 10 min
